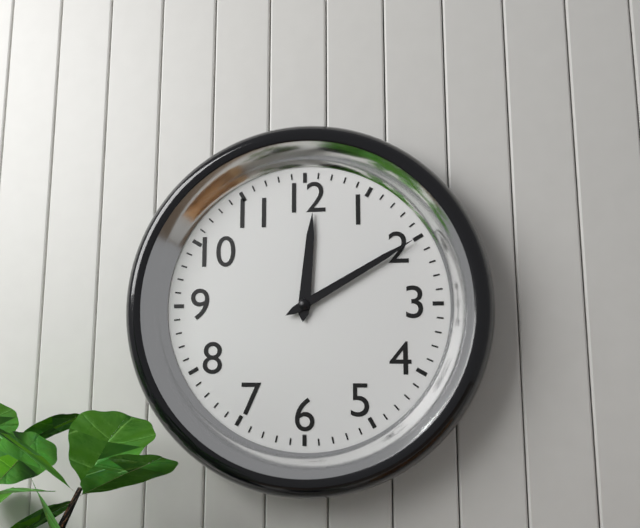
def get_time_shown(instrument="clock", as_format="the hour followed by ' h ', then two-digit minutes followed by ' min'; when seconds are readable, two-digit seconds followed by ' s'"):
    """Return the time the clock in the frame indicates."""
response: 12 h 10 min
